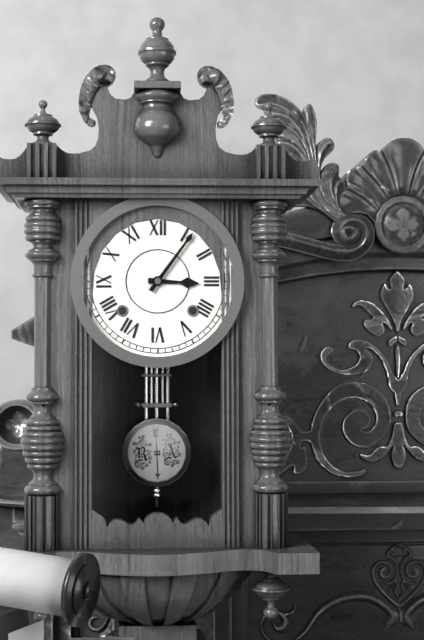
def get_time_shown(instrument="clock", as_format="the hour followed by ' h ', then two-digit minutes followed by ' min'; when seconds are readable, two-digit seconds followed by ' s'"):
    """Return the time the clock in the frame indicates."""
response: 3 h 06 min
